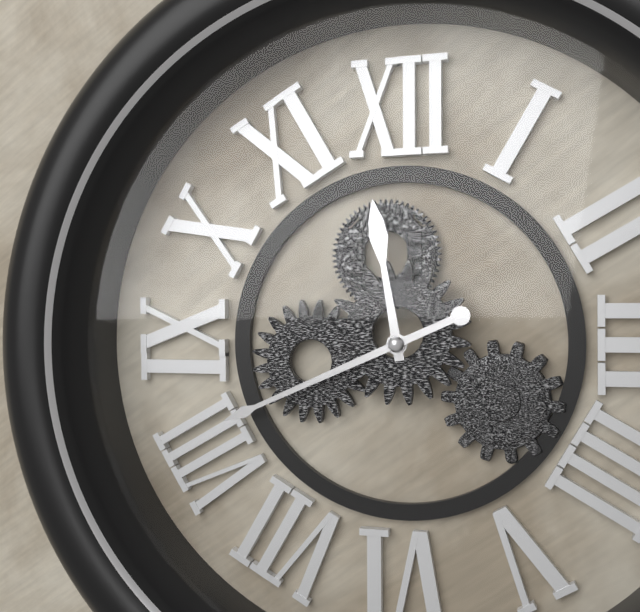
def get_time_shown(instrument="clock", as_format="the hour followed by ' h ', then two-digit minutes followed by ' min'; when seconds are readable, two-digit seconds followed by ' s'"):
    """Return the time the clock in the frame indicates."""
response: 11 h 41 min
